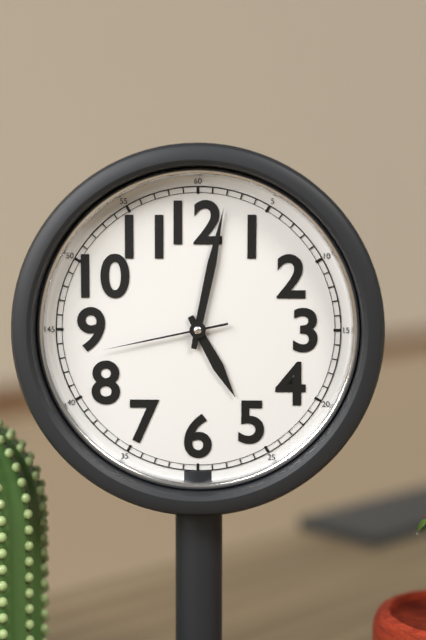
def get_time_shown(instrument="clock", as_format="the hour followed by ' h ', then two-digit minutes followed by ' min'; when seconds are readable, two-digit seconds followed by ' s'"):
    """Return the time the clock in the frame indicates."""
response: 5 h 02 min 43 s
